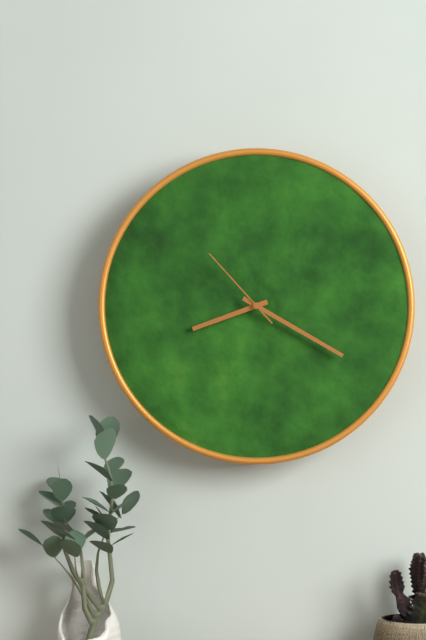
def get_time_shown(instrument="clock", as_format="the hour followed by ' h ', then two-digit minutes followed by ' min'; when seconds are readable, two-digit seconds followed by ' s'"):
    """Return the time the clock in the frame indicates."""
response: 8 h 20 min 53 s
